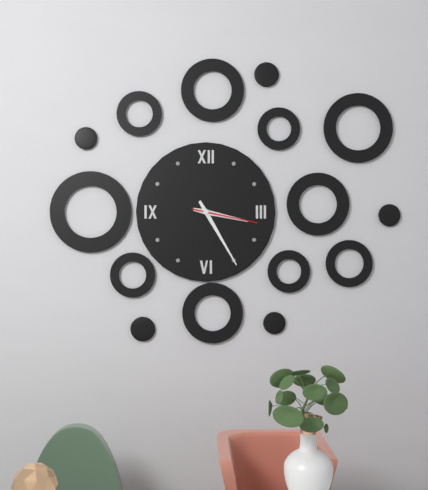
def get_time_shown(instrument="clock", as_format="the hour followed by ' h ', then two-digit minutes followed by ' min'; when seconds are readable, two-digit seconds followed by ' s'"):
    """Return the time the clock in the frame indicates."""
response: 3 h 25 min 17 s
